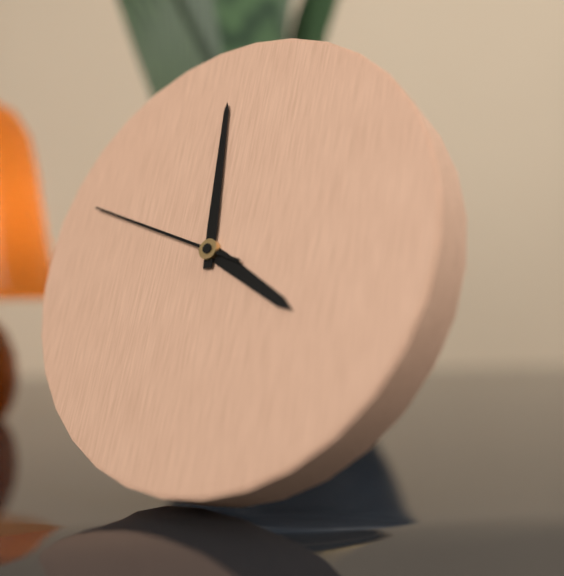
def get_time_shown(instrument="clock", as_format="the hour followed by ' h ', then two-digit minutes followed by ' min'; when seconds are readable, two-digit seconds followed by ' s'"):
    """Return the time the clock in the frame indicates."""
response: 3 h 59 min 48 s
